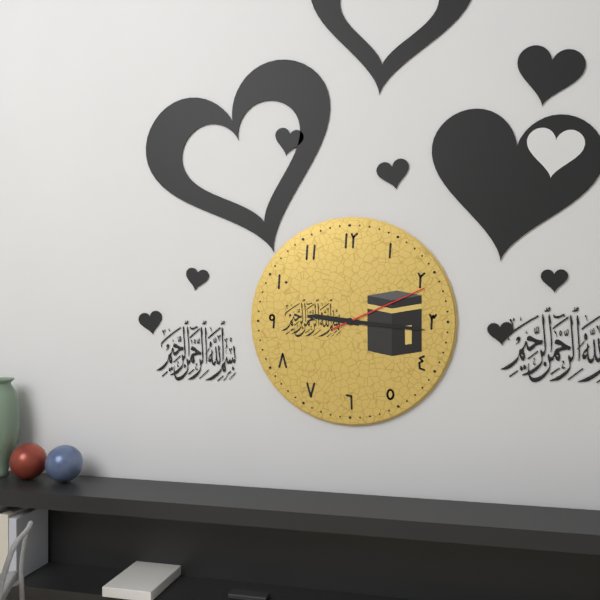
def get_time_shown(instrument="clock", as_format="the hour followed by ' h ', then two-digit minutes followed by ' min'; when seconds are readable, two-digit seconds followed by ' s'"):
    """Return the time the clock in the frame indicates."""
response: 9 h 16 min 11 s
